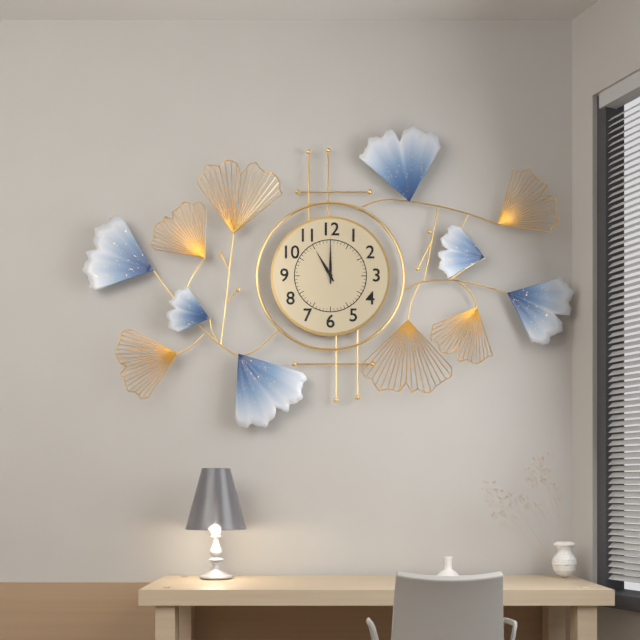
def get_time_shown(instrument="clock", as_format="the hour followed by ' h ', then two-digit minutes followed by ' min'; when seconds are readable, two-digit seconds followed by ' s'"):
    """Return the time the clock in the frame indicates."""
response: 11 h 00 min
